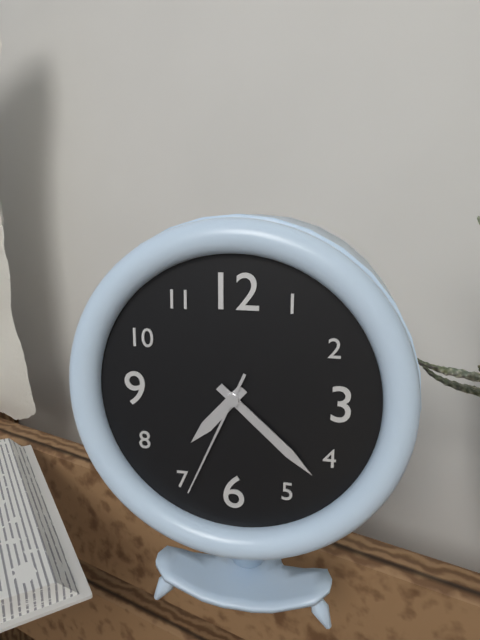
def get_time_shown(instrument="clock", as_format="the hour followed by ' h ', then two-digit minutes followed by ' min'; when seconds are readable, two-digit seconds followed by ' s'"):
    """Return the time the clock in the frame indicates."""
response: 7 h 22 min 34 s
